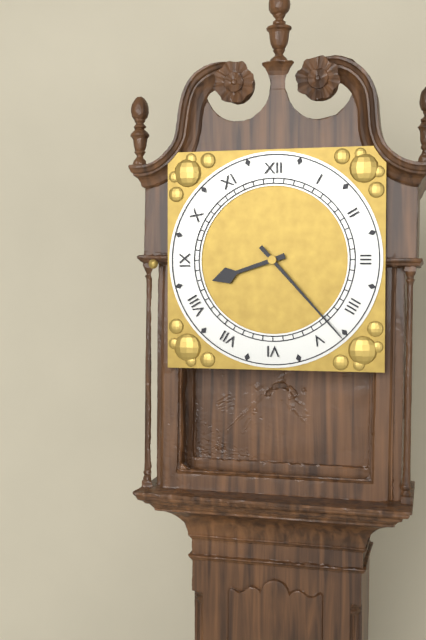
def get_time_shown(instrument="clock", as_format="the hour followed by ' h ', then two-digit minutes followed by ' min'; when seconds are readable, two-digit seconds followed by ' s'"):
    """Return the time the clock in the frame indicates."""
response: 8 h 23 min
